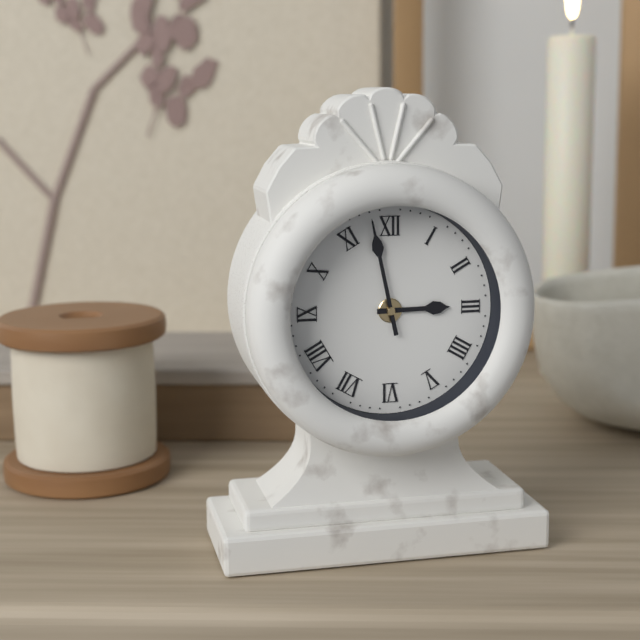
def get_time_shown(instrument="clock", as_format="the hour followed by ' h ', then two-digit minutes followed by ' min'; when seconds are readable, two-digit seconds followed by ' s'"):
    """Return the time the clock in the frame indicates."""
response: 2 h 58 min
